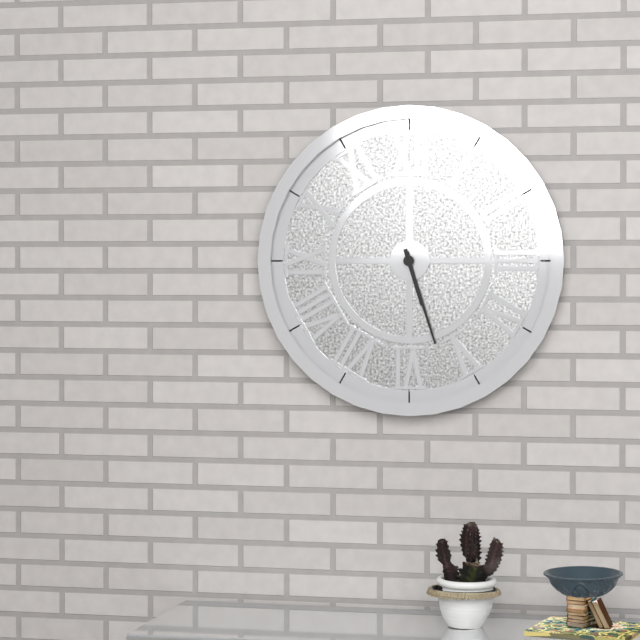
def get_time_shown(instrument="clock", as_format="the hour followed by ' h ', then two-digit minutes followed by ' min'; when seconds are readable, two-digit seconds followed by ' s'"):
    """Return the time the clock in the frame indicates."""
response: 5 h 27 min
